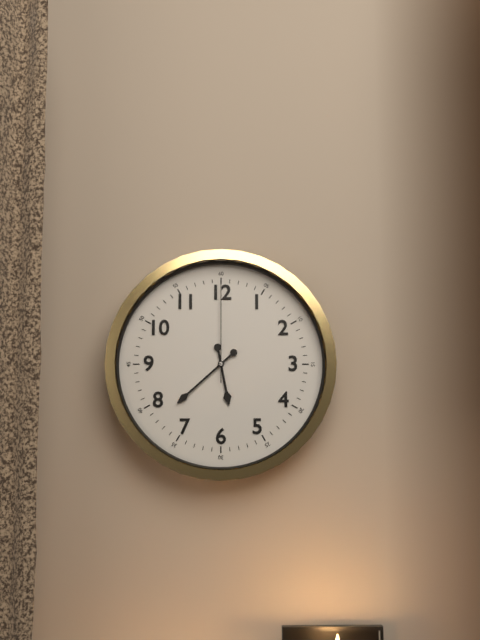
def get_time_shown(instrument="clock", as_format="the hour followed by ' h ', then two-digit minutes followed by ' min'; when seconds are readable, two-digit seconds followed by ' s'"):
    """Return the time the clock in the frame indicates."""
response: 5 h 38 min 00 s
